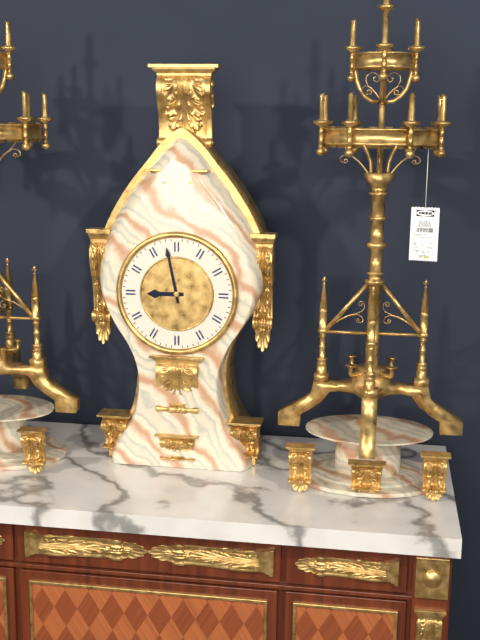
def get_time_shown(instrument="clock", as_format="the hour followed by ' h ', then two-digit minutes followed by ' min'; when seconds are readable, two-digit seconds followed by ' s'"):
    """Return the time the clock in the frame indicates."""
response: 8 h 58 min
